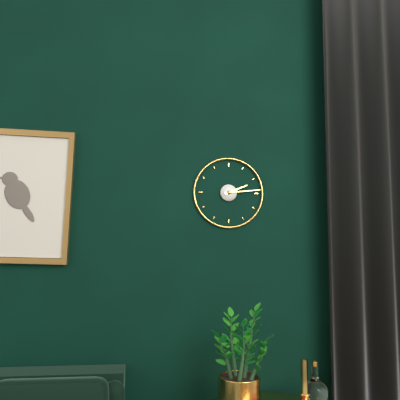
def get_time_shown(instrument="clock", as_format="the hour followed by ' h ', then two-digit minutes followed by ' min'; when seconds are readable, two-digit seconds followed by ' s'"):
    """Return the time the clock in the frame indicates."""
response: 2 h 14 min
